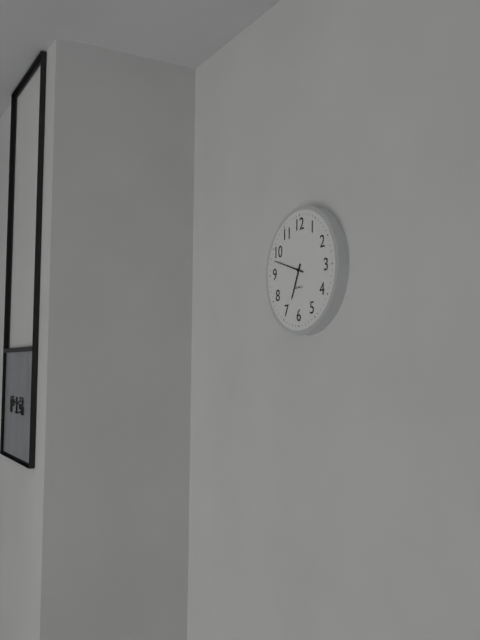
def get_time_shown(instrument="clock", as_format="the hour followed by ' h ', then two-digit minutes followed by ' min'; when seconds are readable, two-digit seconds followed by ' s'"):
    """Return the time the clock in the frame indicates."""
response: 6 h 48 min
